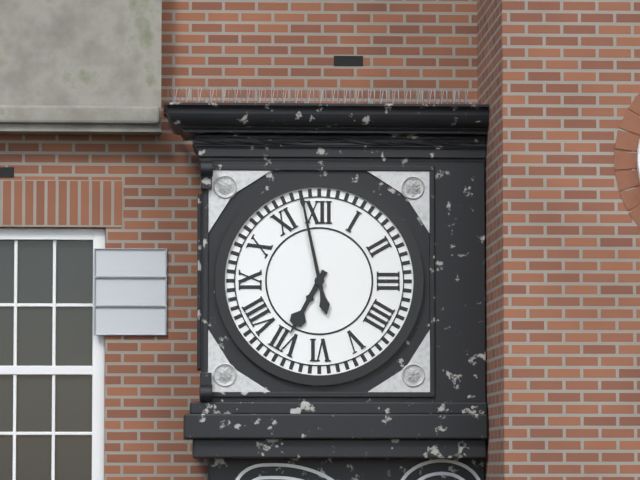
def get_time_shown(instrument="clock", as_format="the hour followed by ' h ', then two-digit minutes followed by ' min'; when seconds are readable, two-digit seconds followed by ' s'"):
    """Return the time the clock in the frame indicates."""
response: 6 h 58 min
